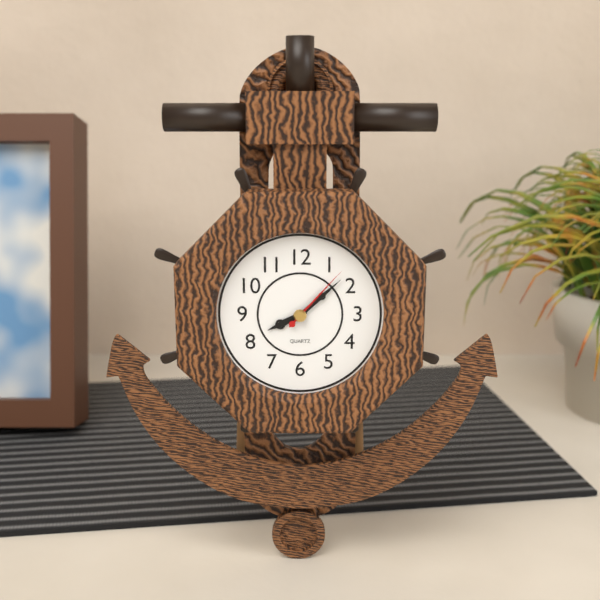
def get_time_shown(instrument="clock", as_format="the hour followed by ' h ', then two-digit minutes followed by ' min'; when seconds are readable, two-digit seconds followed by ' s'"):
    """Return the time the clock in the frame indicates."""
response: 8 h 08 min 07 s
